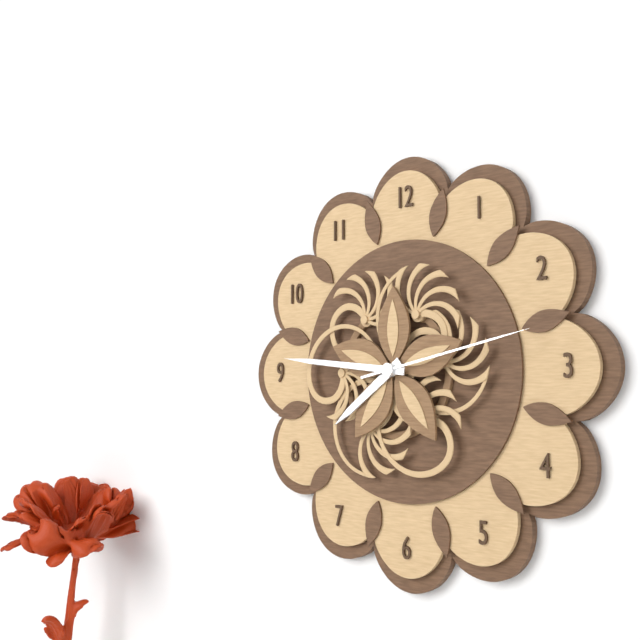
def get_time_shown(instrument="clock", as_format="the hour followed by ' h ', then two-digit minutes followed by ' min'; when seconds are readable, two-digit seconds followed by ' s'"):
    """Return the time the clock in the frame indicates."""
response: 7 h 46 min 13 s
